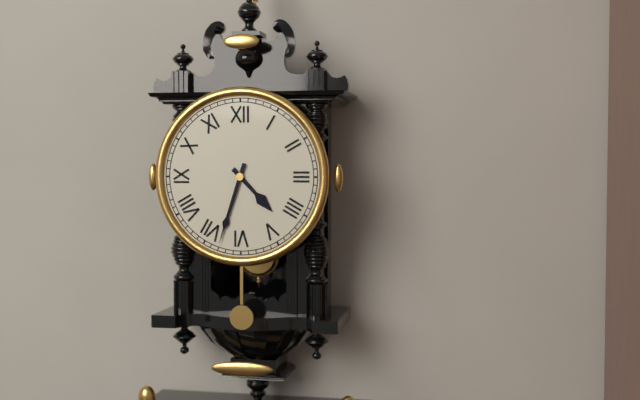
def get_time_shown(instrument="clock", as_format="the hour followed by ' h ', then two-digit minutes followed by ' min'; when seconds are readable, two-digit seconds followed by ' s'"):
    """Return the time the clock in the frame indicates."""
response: 4 h 33 min
